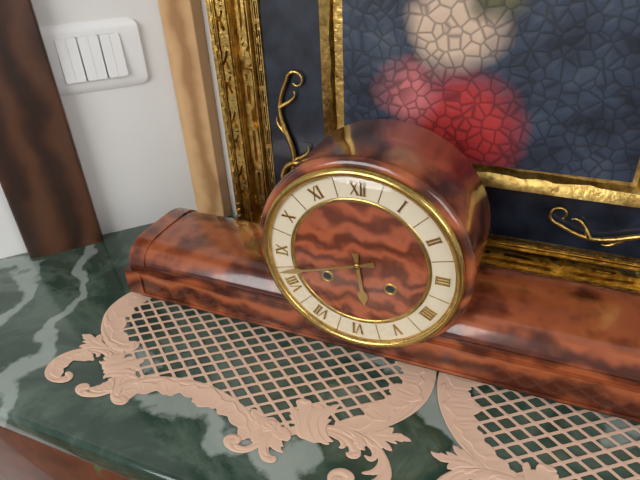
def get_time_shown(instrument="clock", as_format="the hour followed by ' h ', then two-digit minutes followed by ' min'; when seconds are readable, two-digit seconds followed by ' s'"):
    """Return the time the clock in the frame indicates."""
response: 5 h 42 min
